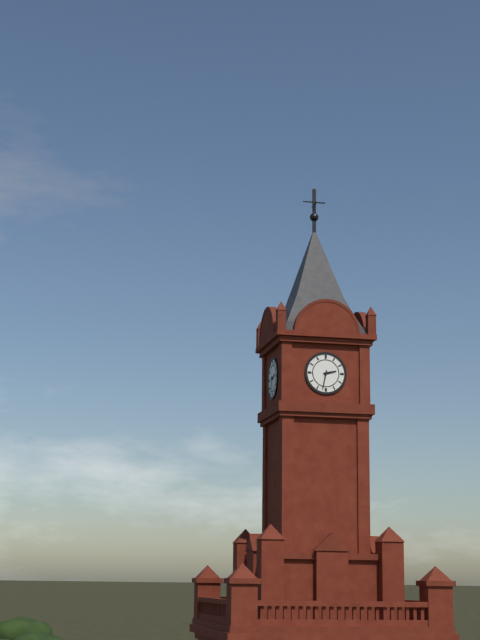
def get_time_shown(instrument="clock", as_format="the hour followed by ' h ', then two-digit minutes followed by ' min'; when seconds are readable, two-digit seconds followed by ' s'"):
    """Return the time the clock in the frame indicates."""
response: 2 h 32 min
